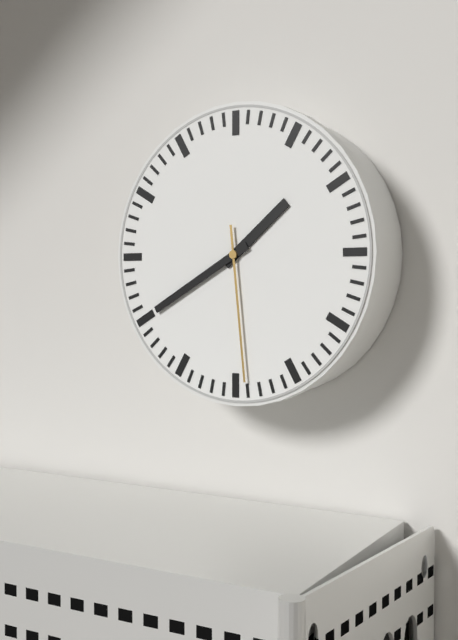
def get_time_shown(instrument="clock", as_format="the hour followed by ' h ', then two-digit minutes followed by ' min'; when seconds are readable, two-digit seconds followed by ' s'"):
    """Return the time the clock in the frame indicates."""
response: 1 h 40 min 29 s
